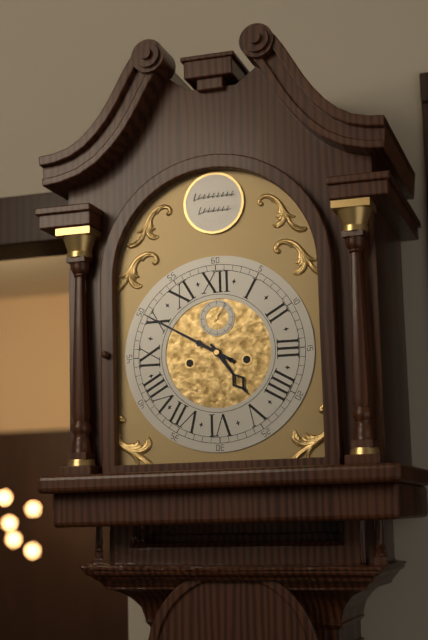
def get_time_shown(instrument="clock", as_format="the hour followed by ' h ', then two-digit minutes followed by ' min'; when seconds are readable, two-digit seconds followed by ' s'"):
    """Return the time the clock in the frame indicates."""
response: 4 h 50 min
